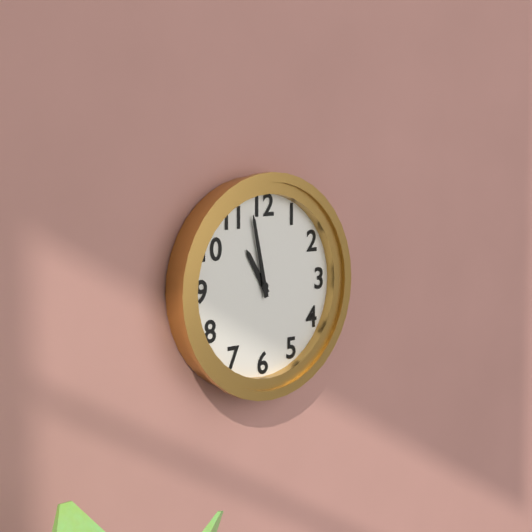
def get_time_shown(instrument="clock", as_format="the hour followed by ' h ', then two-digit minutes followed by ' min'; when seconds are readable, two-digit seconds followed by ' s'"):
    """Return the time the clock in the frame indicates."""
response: 10 h 58 min
